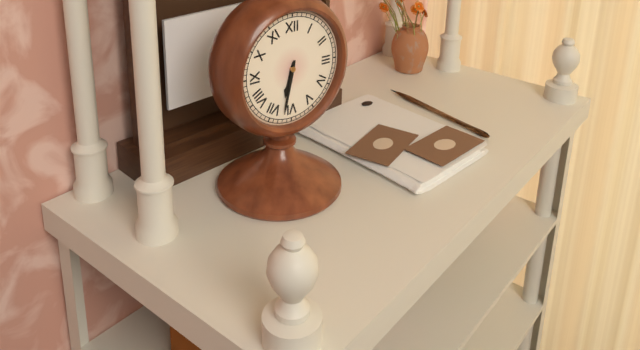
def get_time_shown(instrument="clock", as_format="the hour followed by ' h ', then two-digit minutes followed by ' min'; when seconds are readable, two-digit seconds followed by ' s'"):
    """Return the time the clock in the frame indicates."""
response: 6 h 32 min
